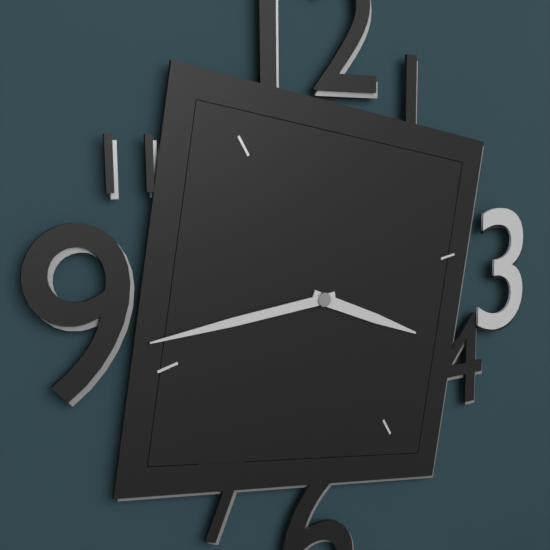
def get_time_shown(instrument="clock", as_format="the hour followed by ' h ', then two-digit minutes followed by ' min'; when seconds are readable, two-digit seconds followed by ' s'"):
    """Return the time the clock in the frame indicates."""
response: 3 h 44 min
